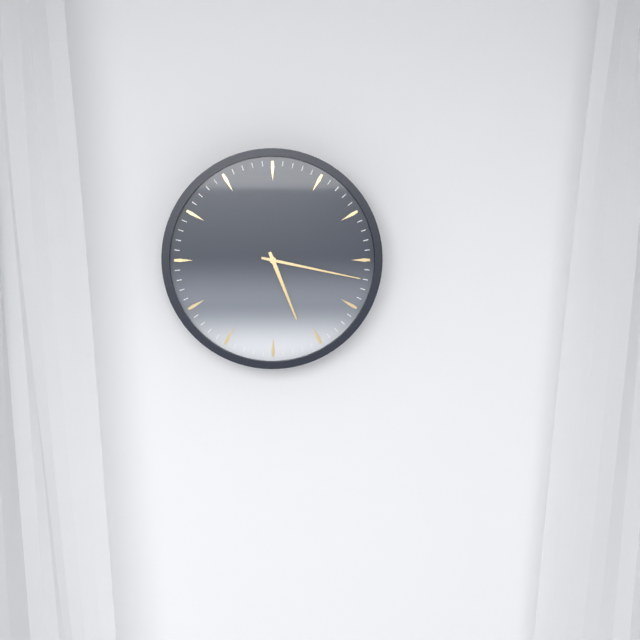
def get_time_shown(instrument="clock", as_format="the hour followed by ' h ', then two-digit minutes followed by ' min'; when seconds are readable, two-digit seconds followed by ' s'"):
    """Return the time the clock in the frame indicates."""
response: 5 h 17 min
